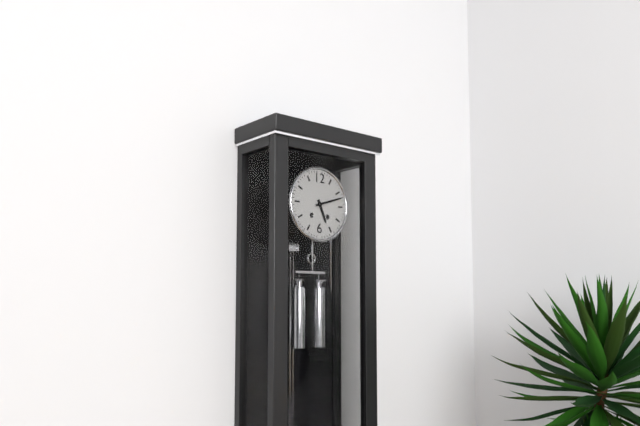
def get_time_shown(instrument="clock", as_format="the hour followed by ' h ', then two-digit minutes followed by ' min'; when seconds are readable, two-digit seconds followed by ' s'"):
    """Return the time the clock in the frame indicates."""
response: 5 h 12 min
